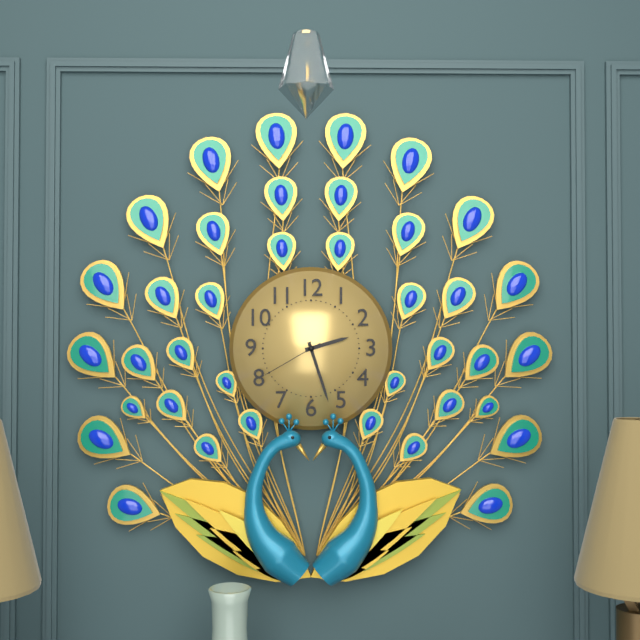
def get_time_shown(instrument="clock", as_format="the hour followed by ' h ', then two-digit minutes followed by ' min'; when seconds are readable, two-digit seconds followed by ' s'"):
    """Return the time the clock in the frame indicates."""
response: 2 h 27 min 40 s
